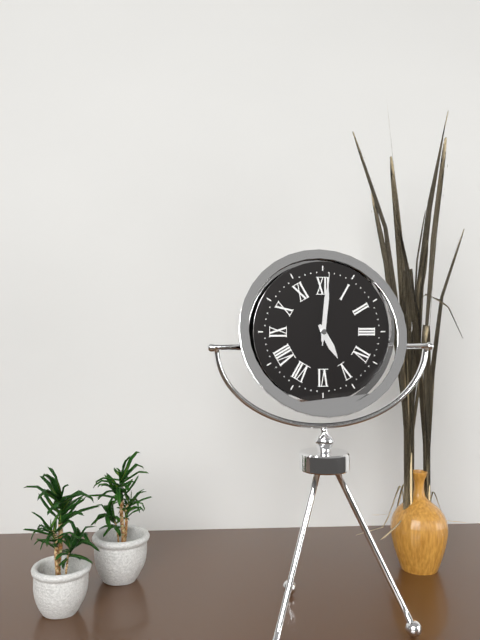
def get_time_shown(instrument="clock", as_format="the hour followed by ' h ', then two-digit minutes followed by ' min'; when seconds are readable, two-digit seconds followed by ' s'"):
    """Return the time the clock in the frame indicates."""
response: 5 h 01 min 01 s
